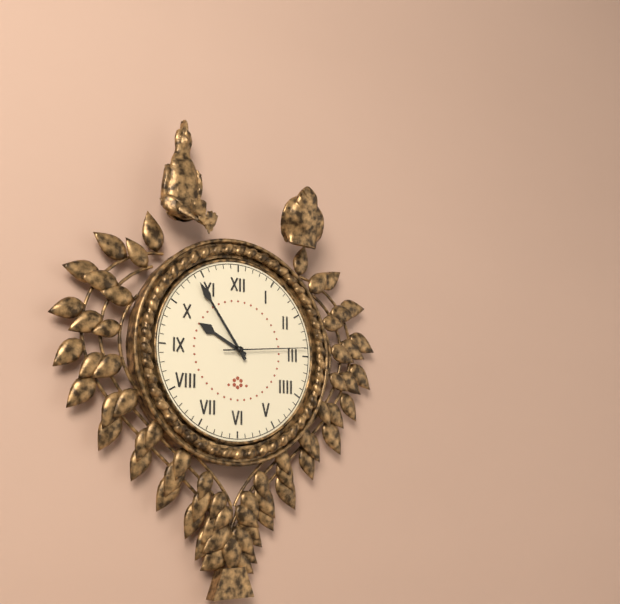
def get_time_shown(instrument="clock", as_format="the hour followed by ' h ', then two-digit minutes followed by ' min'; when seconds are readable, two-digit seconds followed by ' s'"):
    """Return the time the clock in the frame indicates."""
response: 9 h 54 min 14 s
